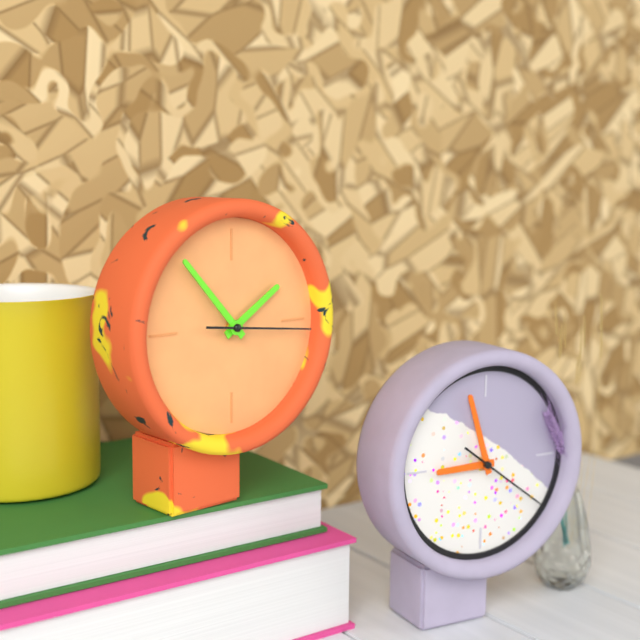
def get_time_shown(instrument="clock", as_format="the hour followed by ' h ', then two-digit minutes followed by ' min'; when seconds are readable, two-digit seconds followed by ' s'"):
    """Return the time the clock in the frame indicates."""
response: 1 h 53 min 16 s
